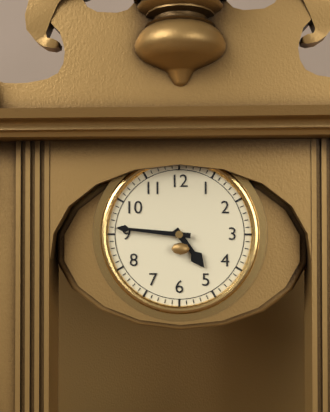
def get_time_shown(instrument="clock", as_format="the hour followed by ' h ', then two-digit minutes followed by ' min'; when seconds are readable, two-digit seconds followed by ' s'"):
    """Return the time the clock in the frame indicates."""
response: 4 h 46 min
